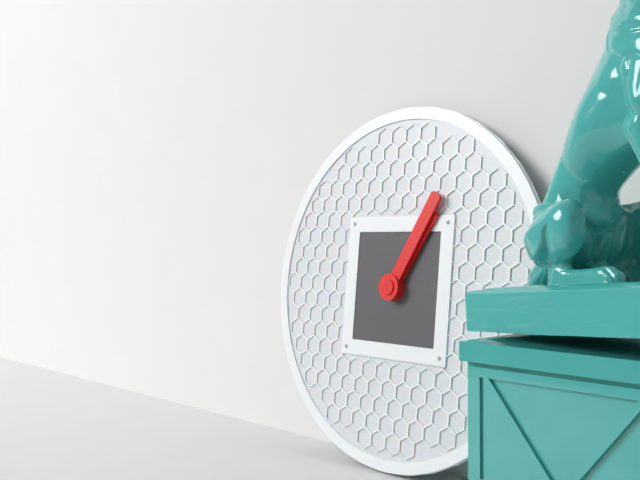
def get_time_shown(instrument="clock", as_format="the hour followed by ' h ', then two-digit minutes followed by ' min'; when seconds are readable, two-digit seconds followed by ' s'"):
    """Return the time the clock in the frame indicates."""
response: 1 h 05 min
